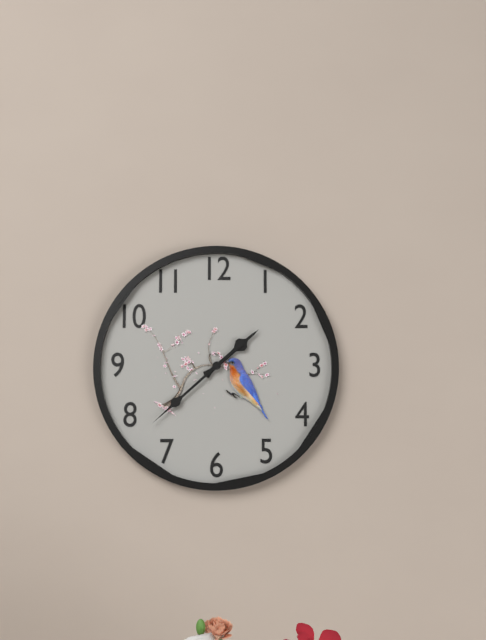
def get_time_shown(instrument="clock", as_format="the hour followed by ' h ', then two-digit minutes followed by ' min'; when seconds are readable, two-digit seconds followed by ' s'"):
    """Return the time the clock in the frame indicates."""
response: 1 h 38 min
